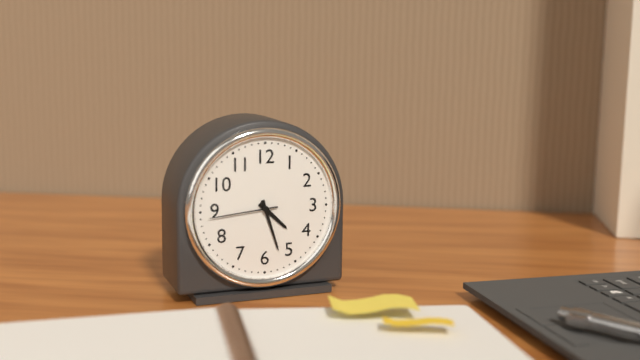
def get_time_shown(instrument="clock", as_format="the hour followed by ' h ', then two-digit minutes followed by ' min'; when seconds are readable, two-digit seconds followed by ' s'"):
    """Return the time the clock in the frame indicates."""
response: 4 h 27 min 44 s
